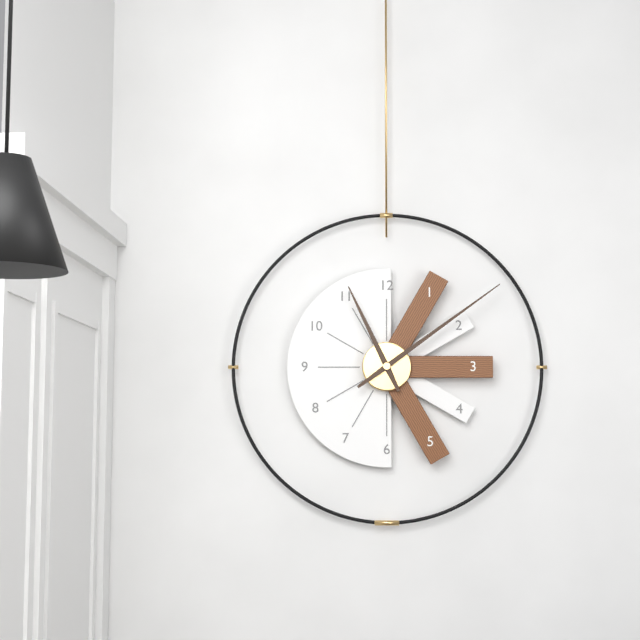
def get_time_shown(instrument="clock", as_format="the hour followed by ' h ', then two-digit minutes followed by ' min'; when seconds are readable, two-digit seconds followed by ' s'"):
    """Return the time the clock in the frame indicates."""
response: 11 h 09 min
